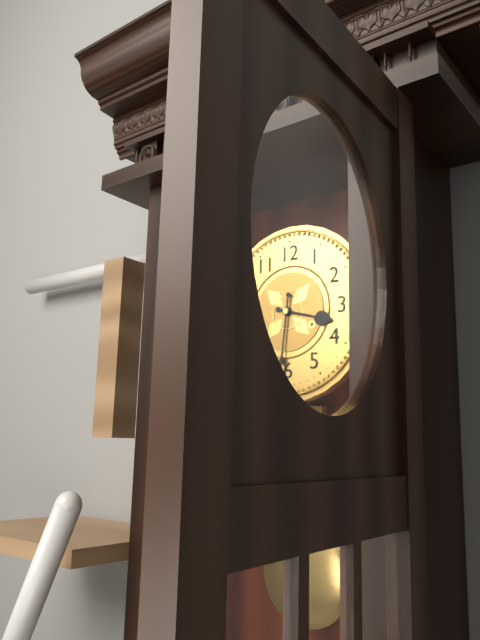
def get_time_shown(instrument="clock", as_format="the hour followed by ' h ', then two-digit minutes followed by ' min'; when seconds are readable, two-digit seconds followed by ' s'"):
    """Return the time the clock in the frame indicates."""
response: 3 h 31 min
